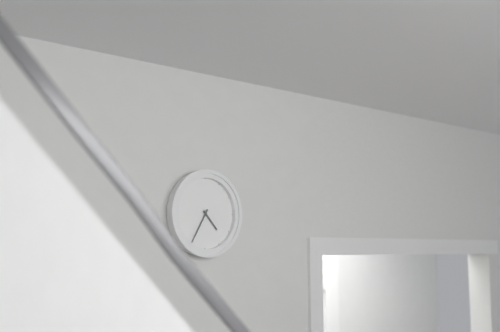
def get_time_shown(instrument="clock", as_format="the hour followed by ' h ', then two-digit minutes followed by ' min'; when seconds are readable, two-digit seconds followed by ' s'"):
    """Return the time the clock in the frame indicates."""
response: 4 h 35 min
